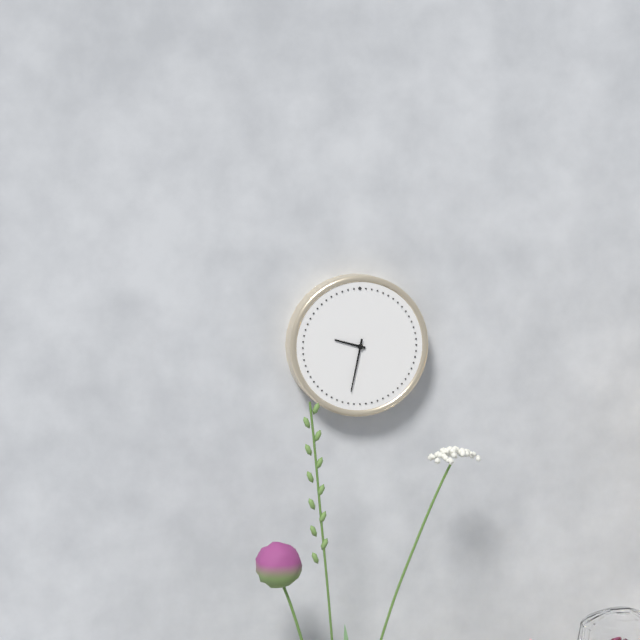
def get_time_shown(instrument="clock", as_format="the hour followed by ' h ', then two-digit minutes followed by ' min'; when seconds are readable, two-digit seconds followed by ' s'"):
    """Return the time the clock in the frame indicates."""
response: 9 h 32 min
